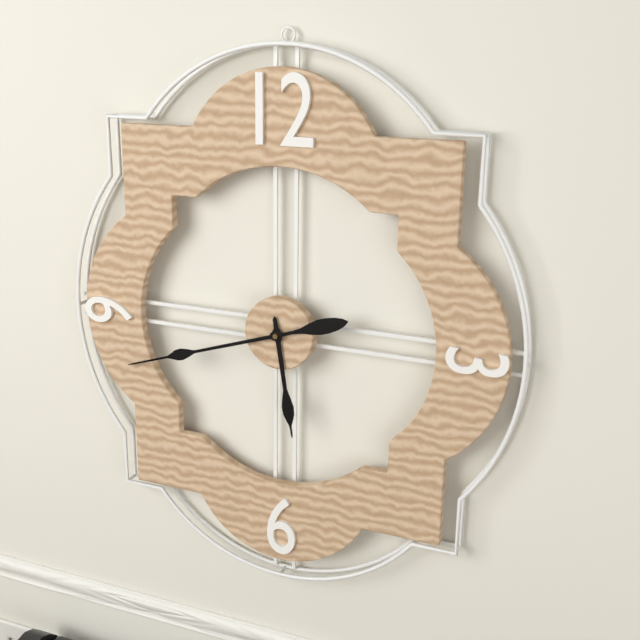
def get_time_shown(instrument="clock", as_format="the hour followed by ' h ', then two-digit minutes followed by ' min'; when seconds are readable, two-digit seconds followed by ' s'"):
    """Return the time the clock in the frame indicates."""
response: 5 h 42 min
